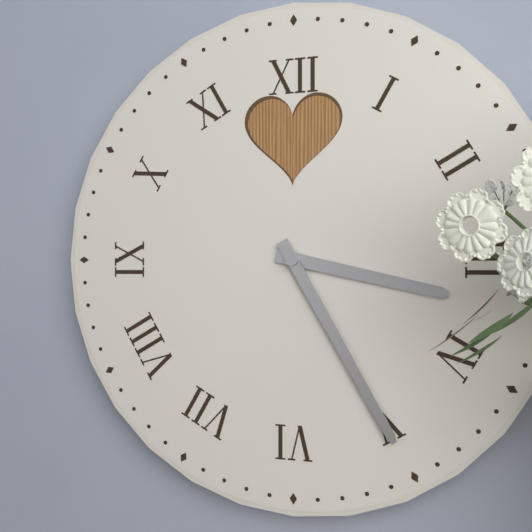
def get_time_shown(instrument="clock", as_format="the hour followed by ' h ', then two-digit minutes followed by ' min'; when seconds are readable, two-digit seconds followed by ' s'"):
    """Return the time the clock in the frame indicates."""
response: 3 h 25 min
